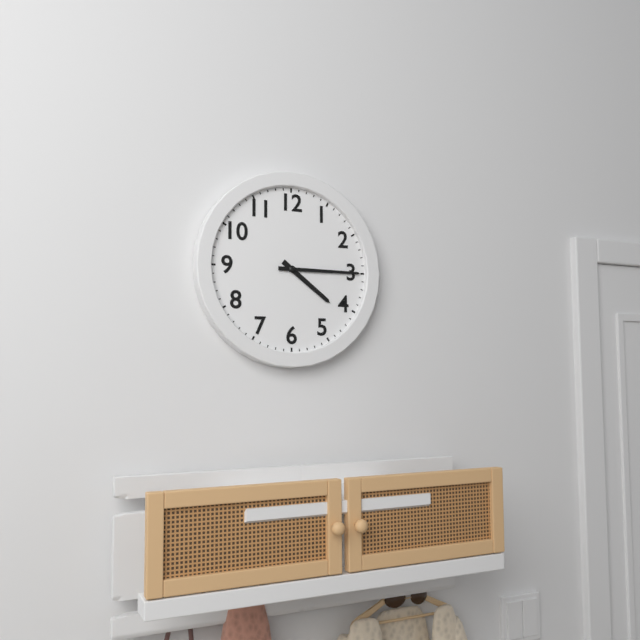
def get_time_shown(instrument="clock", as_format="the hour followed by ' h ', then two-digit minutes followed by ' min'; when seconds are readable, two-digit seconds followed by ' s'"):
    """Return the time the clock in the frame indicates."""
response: 4 h 15 min
